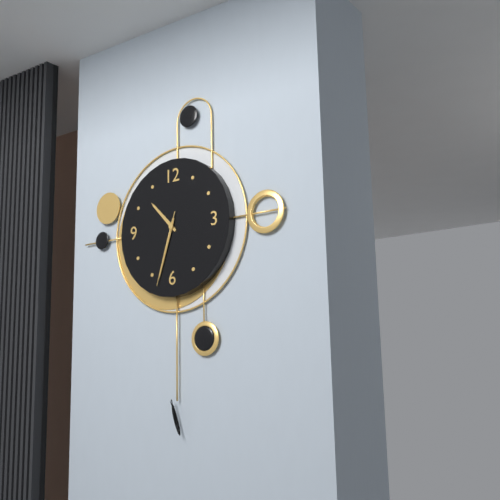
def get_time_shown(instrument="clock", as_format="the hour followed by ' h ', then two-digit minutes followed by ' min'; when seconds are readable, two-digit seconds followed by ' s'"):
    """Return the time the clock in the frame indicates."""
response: 10 h 33 min 33 s
